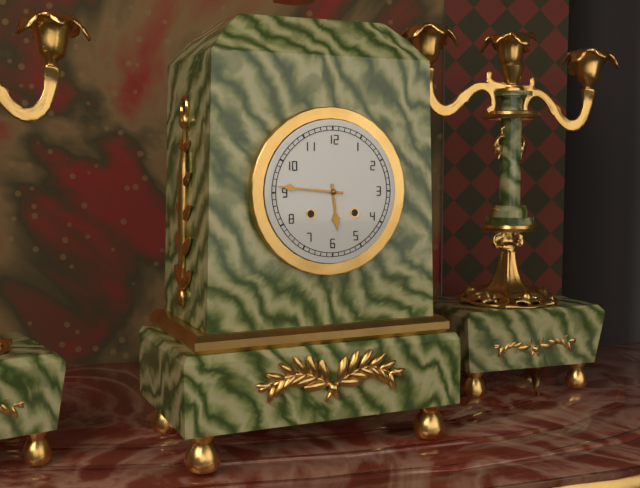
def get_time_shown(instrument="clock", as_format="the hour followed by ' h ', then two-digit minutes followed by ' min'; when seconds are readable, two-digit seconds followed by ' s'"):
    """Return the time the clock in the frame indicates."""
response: 5 h 46 min
